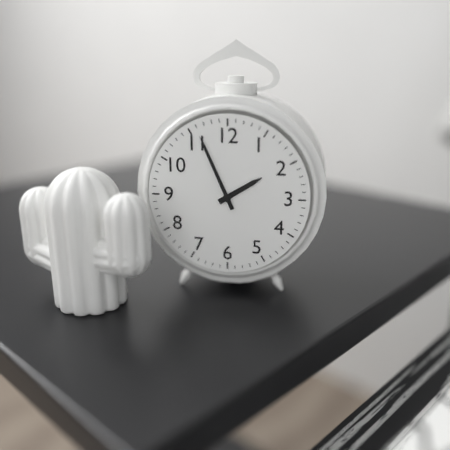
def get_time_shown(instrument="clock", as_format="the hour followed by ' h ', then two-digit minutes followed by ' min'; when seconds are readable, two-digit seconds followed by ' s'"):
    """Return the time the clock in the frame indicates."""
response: 1 h 56 min
